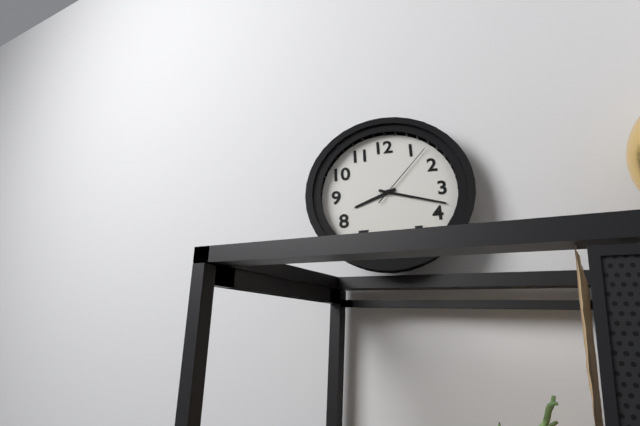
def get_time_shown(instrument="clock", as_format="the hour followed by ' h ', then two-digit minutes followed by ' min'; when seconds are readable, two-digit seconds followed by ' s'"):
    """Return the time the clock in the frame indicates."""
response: 8 h 18 min 07 s
